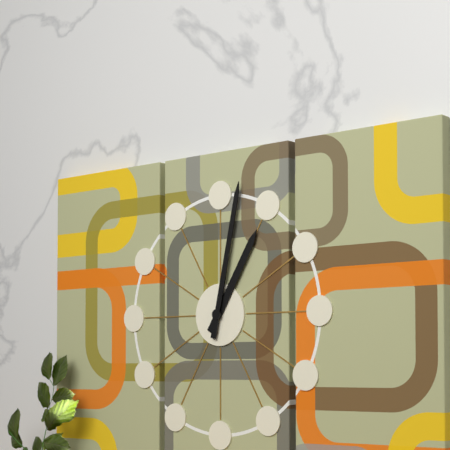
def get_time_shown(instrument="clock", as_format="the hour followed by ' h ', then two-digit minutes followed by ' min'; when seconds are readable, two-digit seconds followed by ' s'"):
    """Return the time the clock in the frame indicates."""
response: 1 h 02 min
